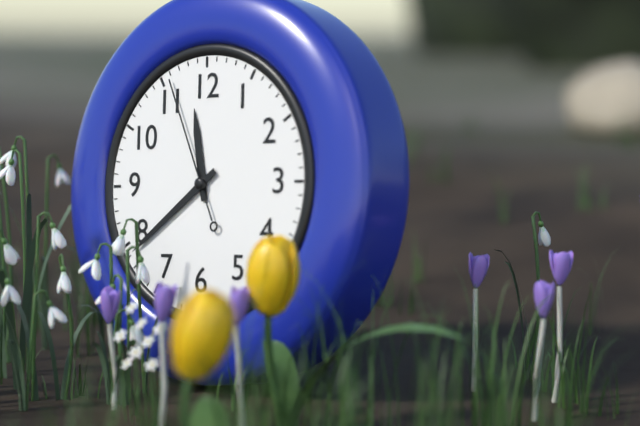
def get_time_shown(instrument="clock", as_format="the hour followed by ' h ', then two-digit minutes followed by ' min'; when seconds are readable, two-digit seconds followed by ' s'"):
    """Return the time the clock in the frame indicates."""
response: 11 h 39 min 56 s
